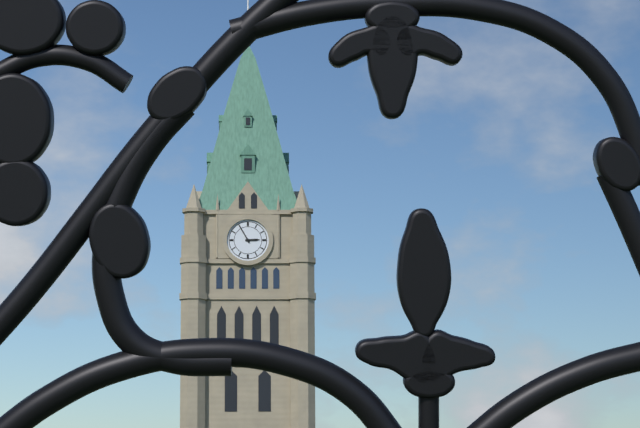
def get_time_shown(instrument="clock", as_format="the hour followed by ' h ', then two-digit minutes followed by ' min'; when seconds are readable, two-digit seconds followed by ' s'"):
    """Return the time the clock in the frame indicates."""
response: 2 h 55 min
